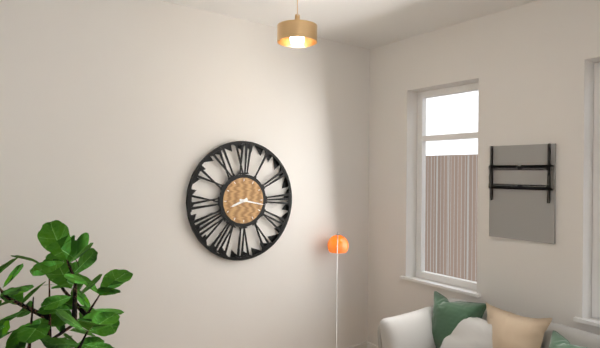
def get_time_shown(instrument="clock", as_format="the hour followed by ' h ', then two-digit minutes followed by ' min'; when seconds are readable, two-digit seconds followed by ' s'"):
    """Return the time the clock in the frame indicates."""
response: 8 h 17 min
